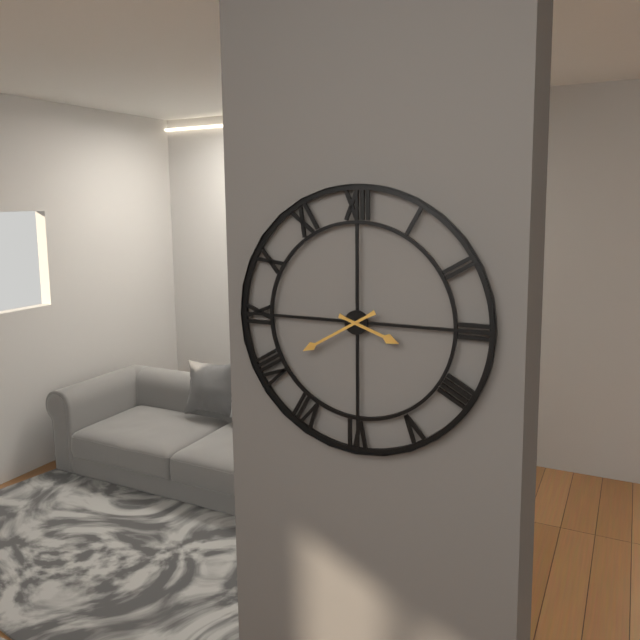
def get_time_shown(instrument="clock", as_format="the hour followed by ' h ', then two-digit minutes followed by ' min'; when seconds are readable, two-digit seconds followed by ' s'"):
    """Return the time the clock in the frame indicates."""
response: 3 h 40 min
